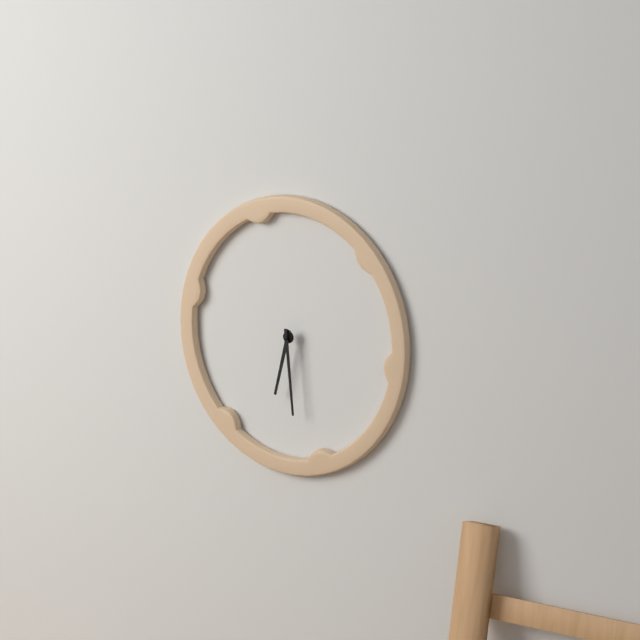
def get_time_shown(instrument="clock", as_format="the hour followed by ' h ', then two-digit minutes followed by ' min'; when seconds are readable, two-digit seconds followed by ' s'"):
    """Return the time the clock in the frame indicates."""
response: 6 h 29 min
